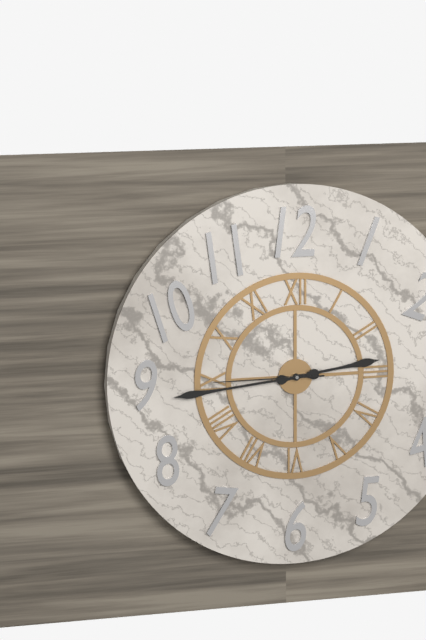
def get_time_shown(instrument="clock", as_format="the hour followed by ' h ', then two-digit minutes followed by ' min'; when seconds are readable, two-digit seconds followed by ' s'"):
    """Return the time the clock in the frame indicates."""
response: 2 h 44 min 45 s
